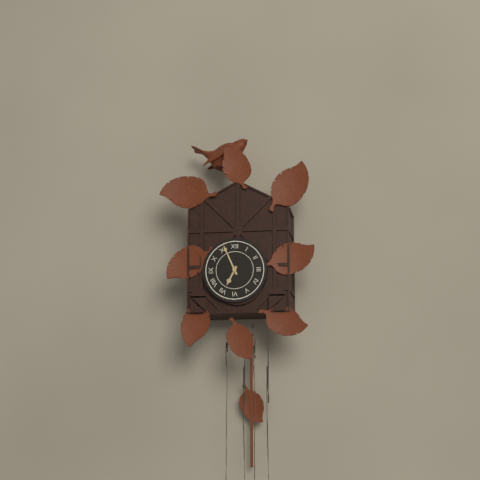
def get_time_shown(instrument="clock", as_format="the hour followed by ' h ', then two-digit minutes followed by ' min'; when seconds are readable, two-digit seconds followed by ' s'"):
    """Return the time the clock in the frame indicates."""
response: 6 h 56 min
